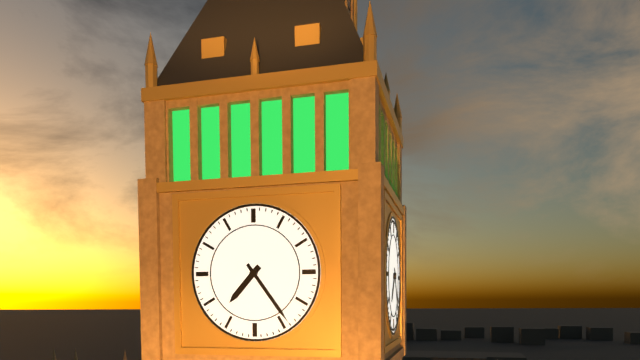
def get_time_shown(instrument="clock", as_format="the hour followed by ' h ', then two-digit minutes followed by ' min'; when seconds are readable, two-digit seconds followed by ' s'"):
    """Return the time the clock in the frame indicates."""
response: 7 h 24 min
